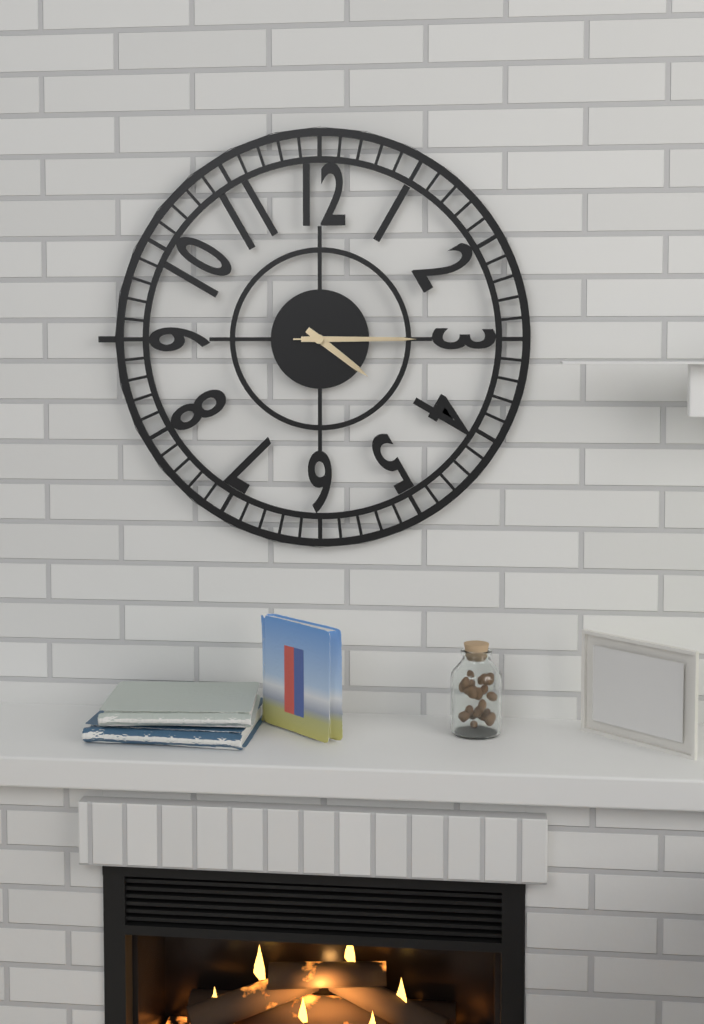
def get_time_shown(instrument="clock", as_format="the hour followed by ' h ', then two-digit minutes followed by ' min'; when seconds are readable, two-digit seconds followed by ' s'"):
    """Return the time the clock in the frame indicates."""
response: 4 h 15 min 15 s
